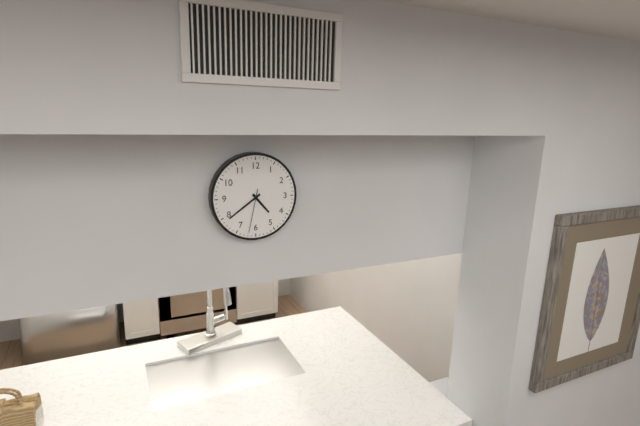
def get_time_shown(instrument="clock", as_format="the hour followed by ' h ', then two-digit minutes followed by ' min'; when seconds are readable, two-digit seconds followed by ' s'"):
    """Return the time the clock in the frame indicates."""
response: 4 h 39 min
